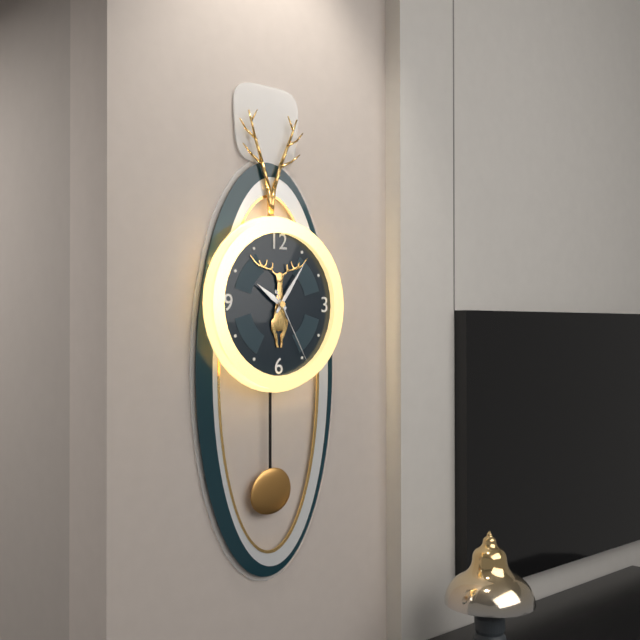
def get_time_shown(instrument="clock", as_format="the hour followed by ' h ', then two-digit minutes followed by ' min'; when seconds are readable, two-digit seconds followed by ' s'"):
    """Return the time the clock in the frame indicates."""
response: 10 h 06 min 25 s
